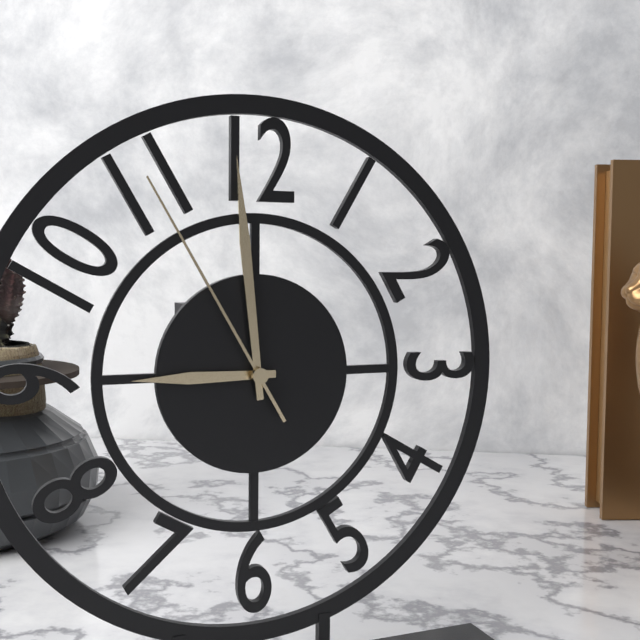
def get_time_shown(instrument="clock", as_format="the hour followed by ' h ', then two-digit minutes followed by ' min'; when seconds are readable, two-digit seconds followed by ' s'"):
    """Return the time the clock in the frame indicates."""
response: 8 h 59 min 55 s
